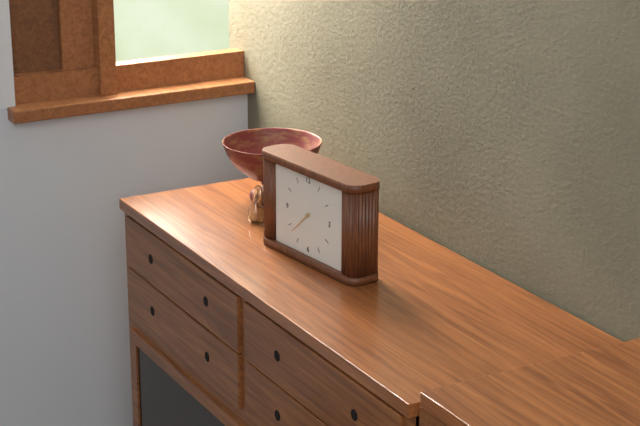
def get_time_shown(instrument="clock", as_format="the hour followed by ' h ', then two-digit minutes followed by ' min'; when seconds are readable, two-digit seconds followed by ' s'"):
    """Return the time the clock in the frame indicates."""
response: 7 h 38 min
